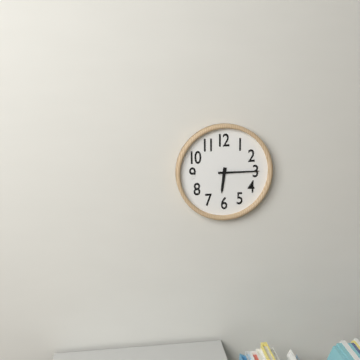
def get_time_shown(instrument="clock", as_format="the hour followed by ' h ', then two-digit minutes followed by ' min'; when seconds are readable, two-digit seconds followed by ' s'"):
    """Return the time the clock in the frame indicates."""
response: 6 h 15 min
